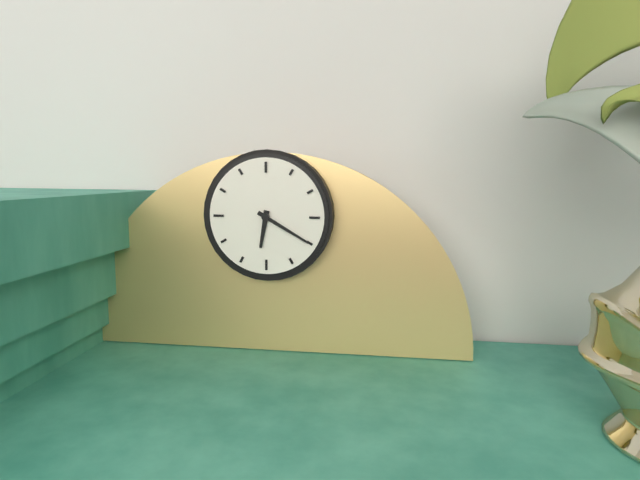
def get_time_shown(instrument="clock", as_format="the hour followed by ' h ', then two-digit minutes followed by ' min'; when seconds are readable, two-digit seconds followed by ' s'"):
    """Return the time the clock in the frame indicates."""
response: 6 h 20 min
